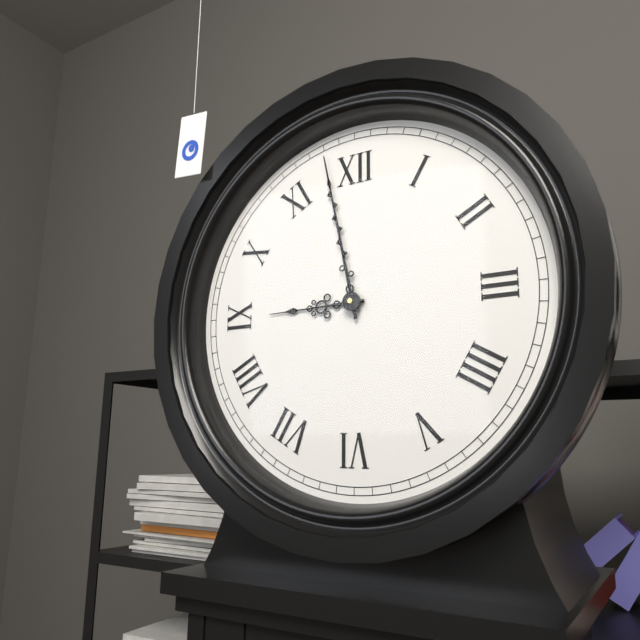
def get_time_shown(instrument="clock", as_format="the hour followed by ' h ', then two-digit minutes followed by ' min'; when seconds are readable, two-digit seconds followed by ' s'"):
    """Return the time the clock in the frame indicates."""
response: 8 h 58 min
